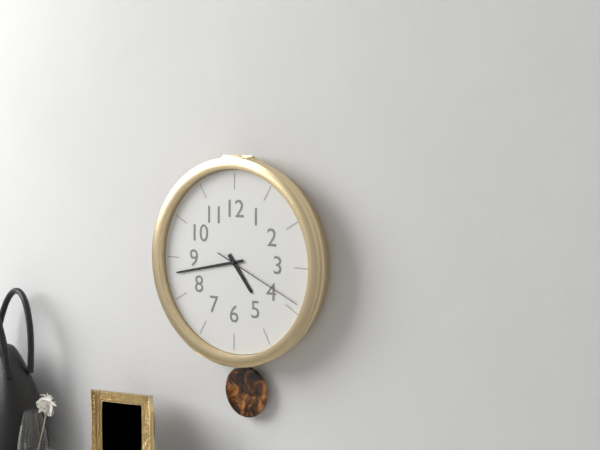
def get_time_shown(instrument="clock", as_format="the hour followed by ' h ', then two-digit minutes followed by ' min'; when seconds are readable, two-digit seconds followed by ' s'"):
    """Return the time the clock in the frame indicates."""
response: 4 h 43 min 19 s
